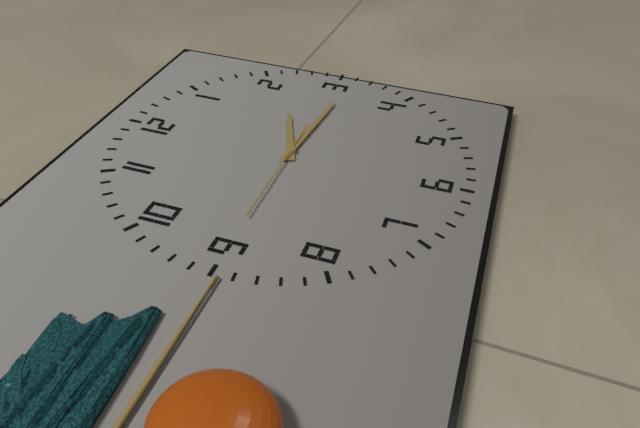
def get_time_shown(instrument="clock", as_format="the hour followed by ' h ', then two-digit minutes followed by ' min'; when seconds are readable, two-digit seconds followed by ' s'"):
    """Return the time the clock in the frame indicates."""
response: 2 h 16 min 45 s
